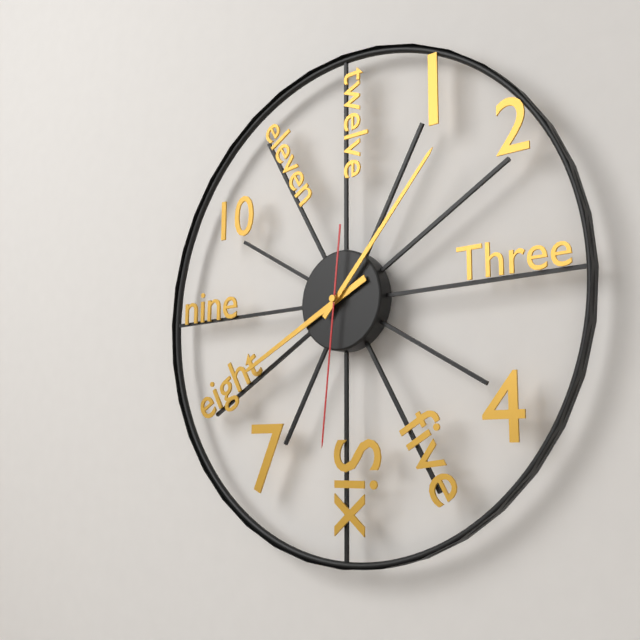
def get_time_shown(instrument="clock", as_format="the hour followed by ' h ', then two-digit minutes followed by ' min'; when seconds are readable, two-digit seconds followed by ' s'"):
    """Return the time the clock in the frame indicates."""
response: 8 h 07 min 31 s
